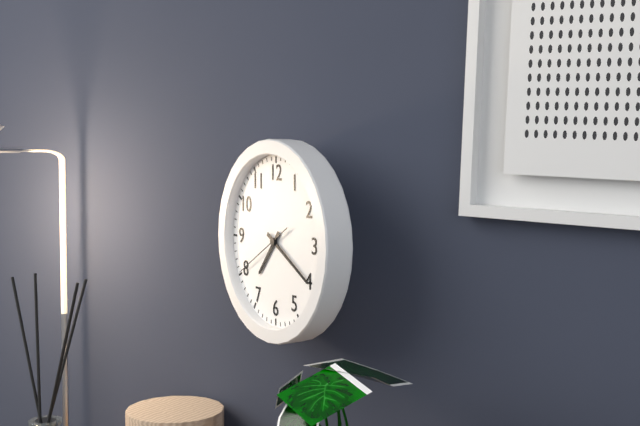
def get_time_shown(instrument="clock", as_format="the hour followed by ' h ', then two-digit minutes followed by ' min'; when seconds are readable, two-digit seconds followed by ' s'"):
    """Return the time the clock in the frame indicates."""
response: 7 h 20 min 40 s
